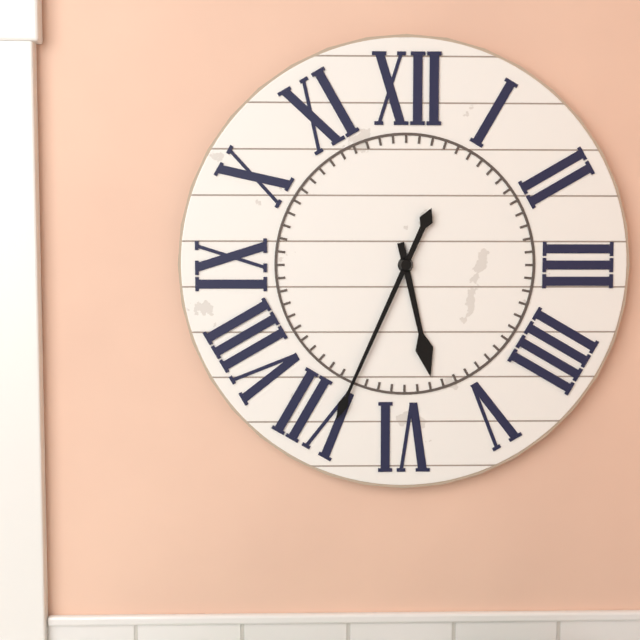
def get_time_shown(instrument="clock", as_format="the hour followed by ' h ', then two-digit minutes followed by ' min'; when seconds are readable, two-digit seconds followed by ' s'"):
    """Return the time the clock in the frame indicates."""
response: 5 h 34 min
